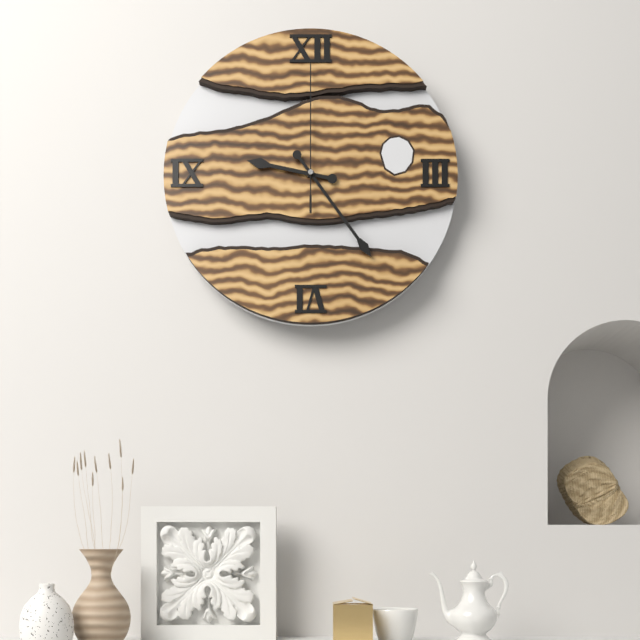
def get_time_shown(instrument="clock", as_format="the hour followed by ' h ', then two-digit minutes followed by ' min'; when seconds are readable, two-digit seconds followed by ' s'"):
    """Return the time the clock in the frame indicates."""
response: 9 h 24 min 00 s
